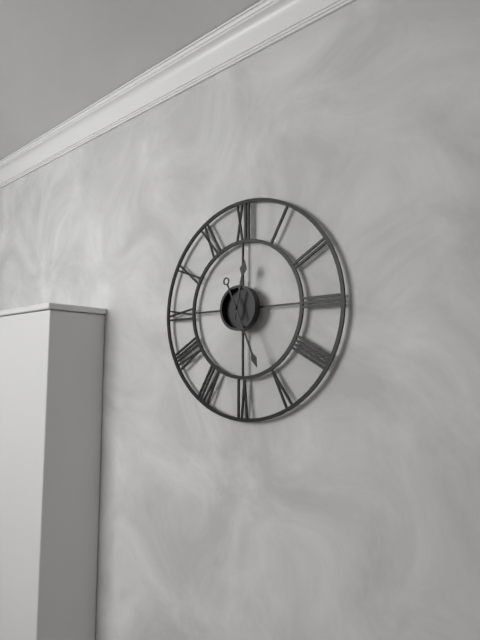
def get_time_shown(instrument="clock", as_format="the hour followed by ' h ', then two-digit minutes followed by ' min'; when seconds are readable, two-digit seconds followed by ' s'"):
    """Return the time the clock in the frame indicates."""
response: 12 h 26 min
